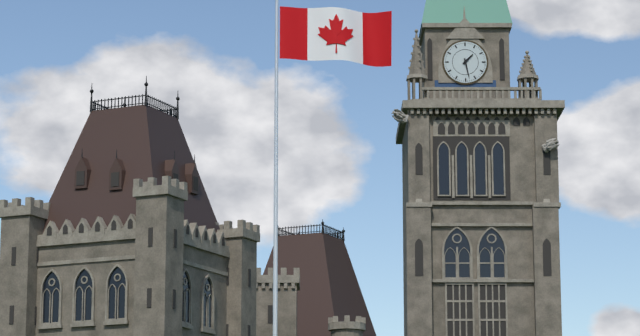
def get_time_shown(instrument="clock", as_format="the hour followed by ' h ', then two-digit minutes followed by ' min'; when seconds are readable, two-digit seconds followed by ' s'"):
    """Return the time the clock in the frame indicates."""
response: 1 h 28 min
